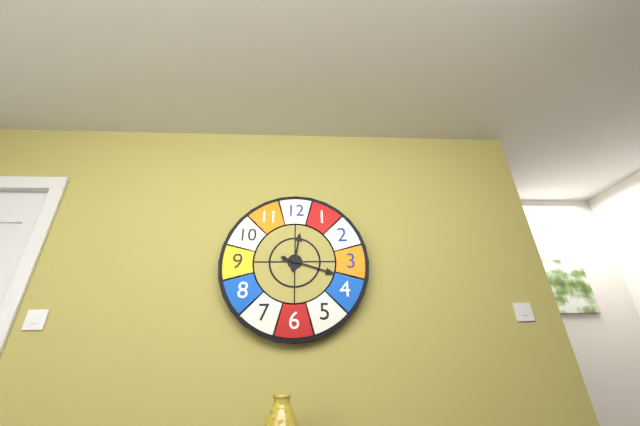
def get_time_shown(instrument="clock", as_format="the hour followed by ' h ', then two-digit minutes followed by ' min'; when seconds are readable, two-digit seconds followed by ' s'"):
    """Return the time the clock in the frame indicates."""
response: 12 h 18 min
